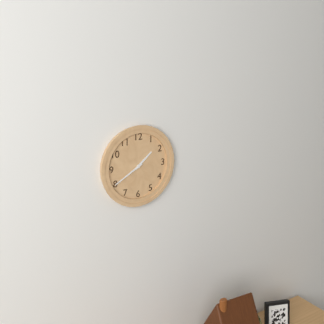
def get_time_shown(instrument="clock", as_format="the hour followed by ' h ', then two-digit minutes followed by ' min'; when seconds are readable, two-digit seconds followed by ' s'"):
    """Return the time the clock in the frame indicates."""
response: 1 h 40 min
